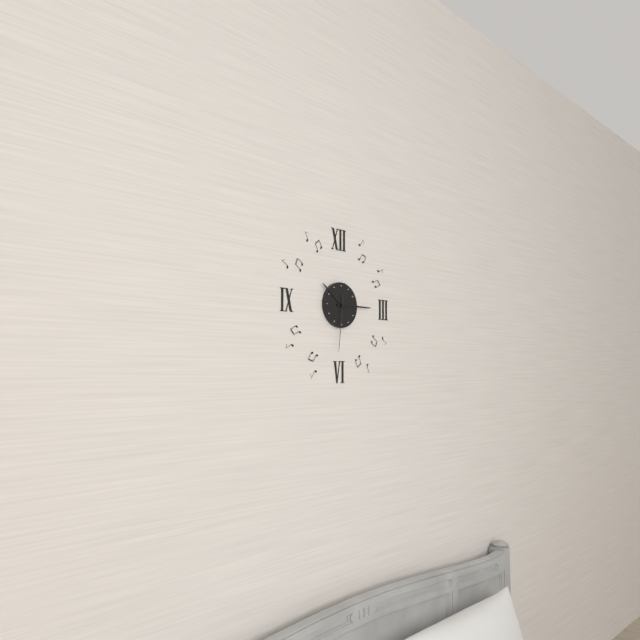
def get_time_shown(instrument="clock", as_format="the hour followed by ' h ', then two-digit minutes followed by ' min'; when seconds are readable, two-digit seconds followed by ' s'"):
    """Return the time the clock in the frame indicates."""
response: 10 h 15 min 31 s
